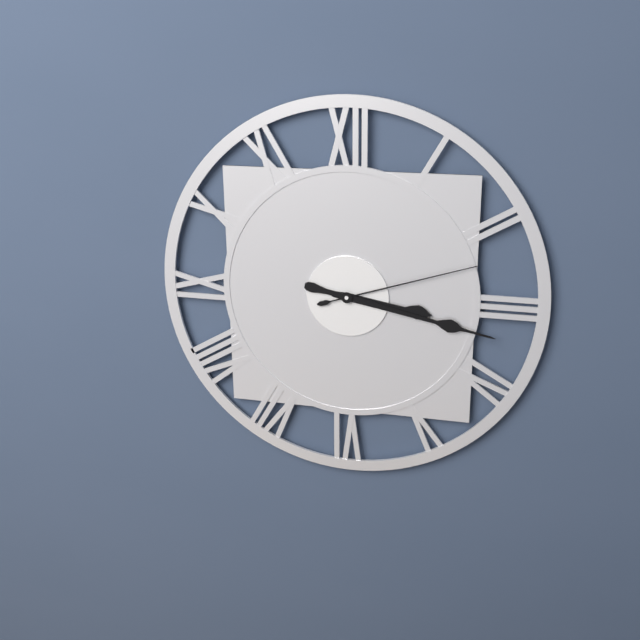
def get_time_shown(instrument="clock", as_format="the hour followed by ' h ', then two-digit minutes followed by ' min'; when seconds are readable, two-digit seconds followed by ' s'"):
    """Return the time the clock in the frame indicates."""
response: 3 h 17 min 12 s
